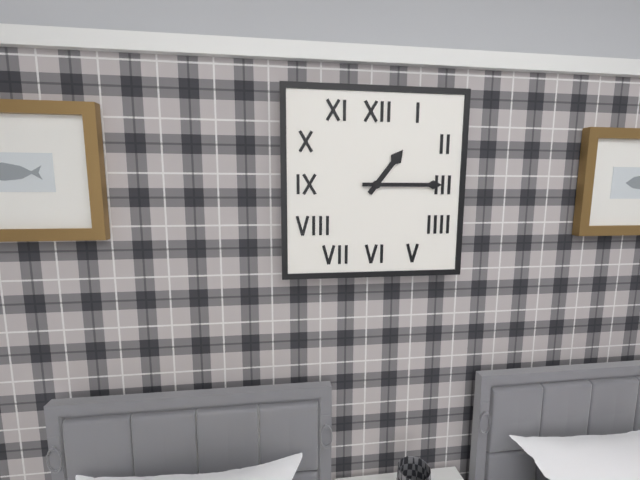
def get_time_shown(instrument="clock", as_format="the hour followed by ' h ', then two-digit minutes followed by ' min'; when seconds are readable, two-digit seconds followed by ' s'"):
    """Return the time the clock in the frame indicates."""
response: 1 h 15 min
